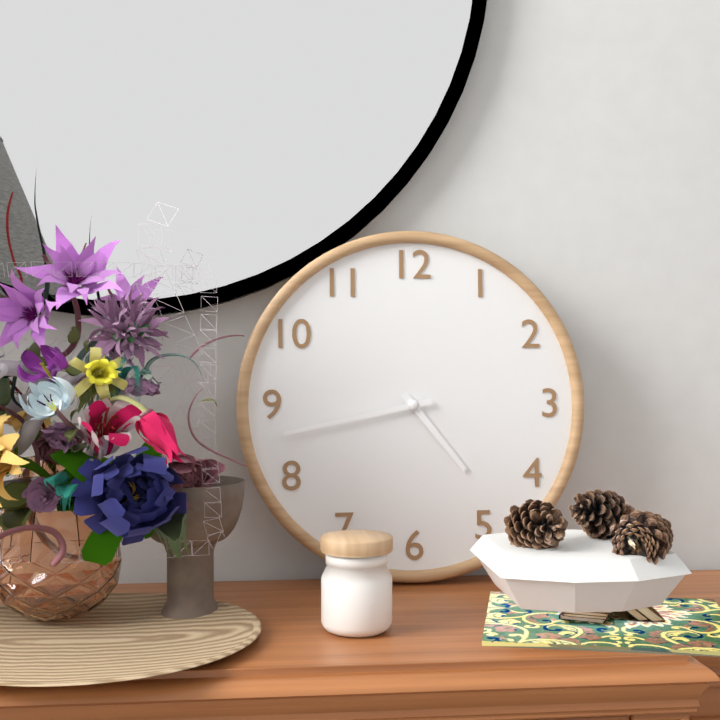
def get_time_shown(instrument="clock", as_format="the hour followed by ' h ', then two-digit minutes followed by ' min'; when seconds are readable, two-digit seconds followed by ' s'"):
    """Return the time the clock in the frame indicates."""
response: 4 h 43 min
